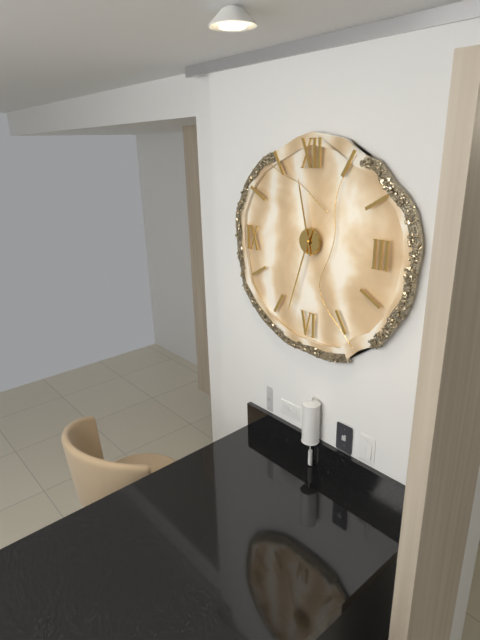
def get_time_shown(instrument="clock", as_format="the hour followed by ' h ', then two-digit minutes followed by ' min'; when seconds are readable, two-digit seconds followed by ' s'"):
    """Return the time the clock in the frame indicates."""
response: 11 h 33 min
